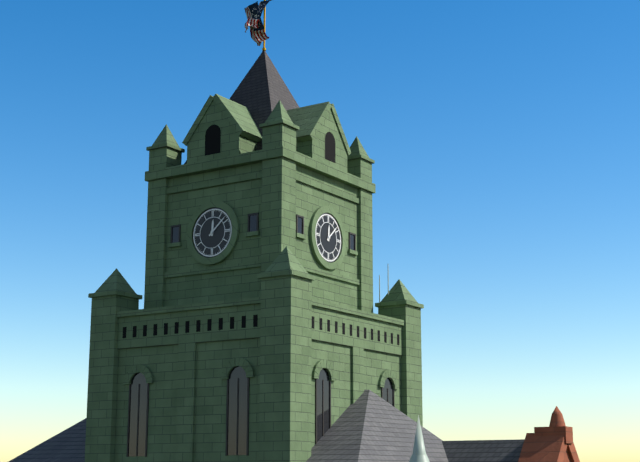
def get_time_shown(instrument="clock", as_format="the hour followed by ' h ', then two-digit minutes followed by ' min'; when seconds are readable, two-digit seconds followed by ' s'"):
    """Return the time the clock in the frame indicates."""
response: 12 h 08 min
